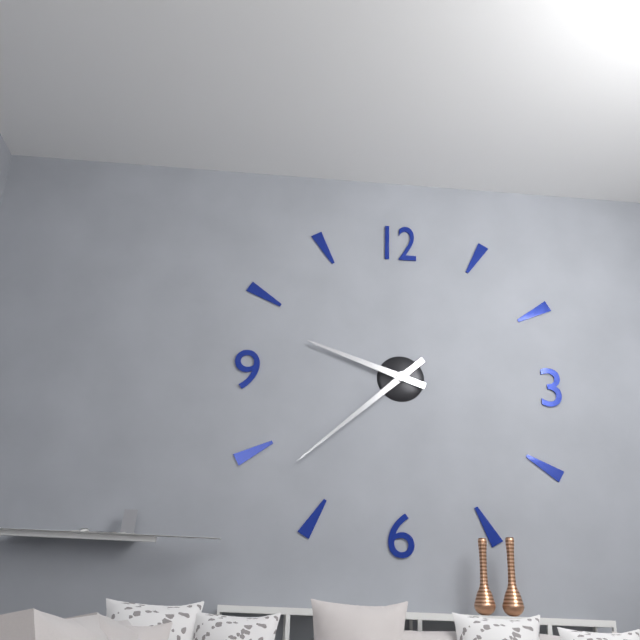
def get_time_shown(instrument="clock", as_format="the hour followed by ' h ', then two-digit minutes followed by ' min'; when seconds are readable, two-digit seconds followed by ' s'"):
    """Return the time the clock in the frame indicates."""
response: 9 h 38 min
